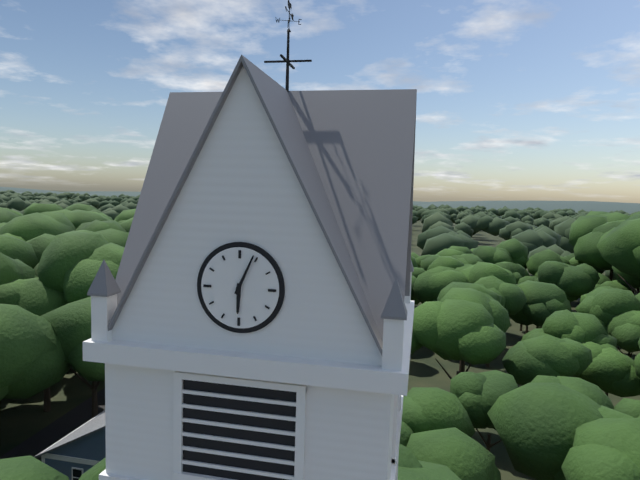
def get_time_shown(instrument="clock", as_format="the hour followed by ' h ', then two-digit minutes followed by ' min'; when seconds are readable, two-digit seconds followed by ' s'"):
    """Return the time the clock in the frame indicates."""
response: 6 h 04 min
